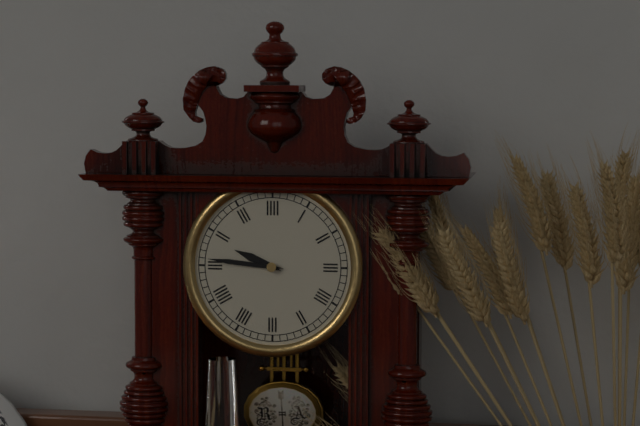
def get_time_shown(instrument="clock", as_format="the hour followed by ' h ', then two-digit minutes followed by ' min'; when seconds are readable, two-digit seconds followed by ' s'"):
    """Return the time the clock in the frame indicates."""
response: 9 h 46 min
